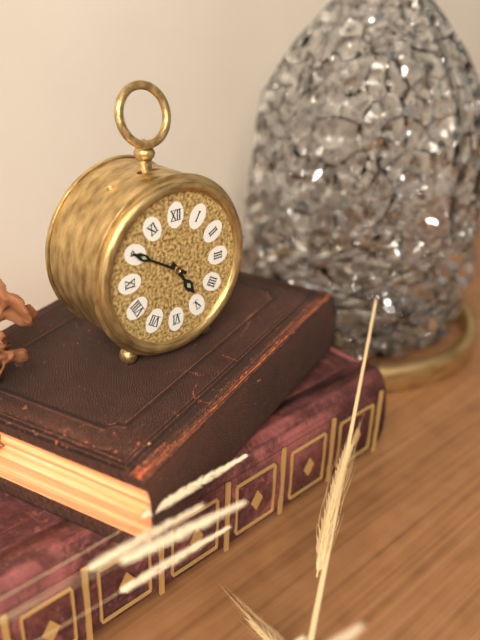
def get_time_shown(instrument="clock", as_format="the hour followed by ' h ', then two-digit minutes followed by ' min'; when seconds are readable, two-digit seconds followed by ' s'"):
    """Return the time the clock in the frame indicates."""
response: 4 h 50 min
